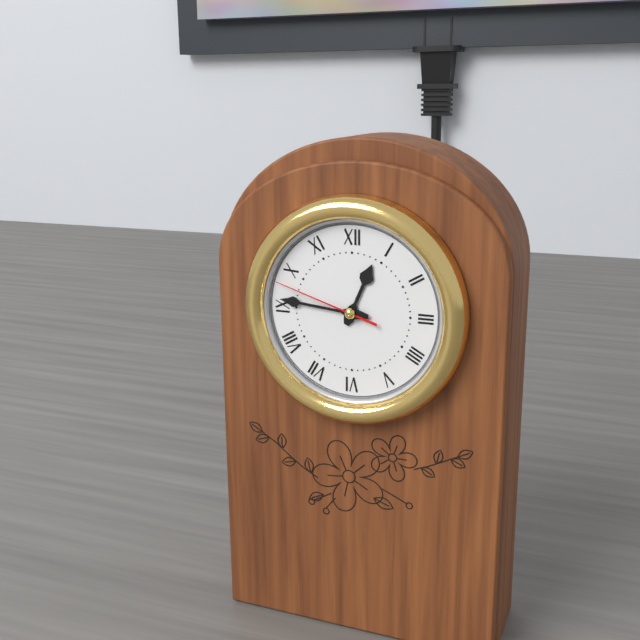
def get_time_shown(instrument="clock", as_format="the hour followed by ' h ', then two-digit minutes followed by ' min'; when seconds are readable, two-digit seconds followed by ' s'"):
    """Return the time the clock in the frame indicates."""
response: 12 h 46 min 48 s
